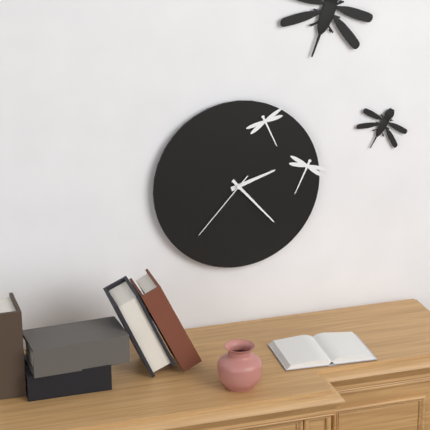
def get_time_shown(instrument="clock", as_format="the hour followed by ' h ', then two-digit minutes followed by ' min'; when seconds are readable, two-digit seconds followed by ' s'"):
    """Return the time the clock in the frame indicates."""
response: 2 h 23 min 37 s
